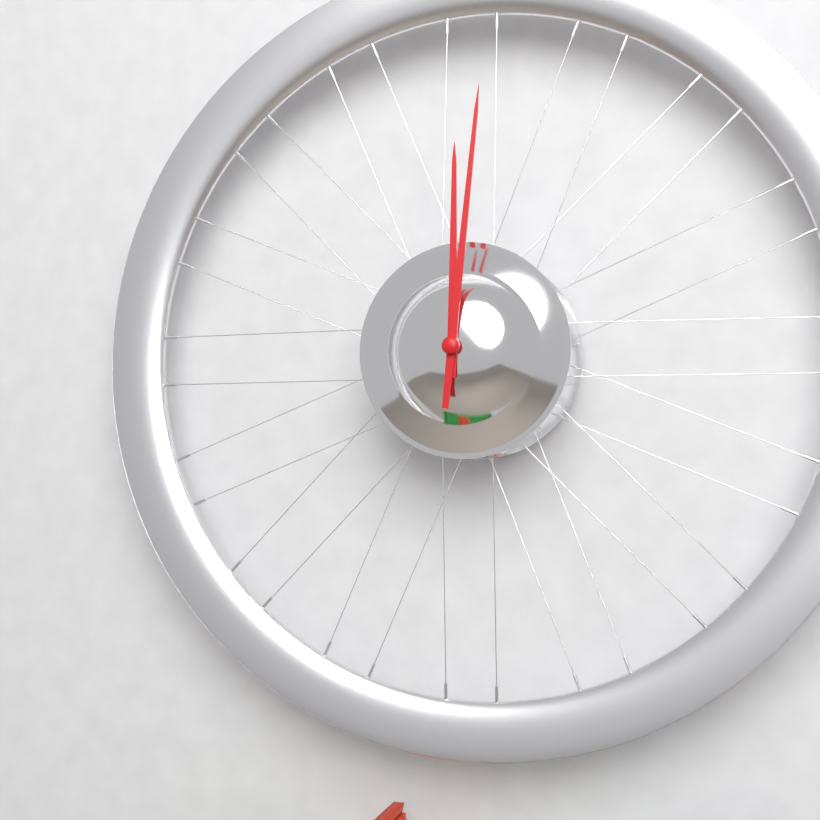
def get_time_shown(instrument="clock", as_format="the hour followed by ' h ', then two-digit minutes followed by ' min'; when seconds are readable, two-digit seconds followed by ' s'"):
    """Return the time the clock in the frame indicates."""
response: 12 h 01 min
